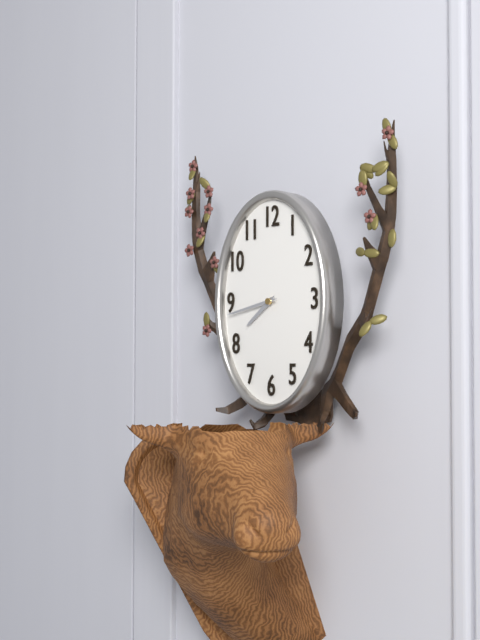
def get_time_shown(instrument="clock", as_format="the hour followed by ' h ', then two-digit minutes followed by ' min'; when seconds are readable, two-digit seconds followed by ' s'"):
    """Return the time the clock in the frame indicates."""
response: 7 h 43 min
